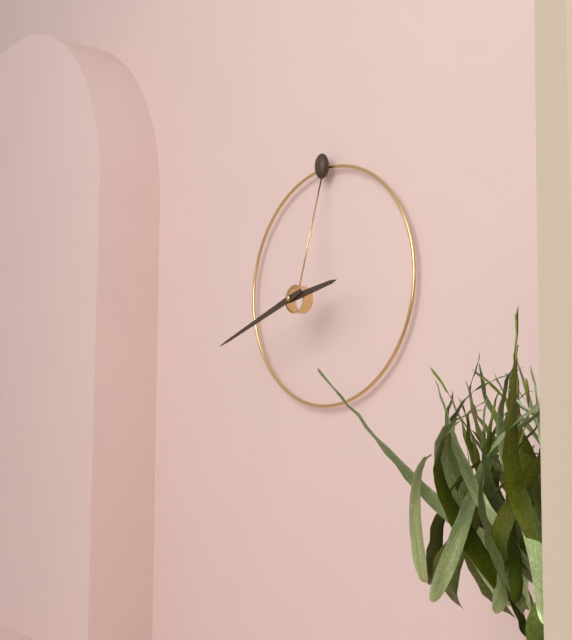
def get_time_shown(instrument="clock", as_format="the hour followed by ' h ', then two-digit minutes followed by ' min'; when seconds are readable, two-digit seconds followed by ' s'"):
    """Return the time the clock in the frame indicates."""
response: 2 h 42 min
